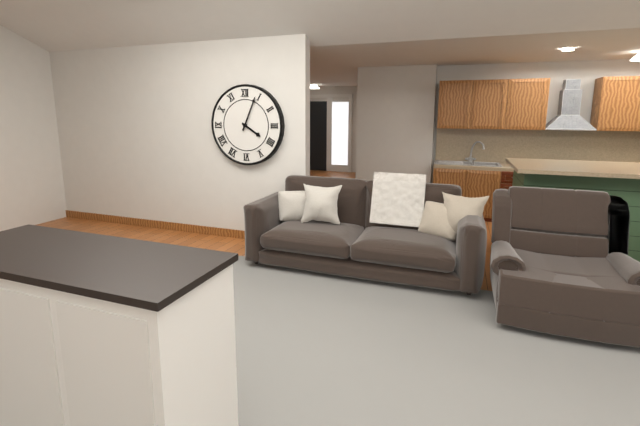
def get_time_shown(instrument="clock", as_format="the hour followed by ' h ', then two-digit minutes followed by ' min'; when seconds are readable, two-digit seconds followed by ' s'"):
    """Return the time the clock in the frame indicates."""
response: 4 h 04 min
